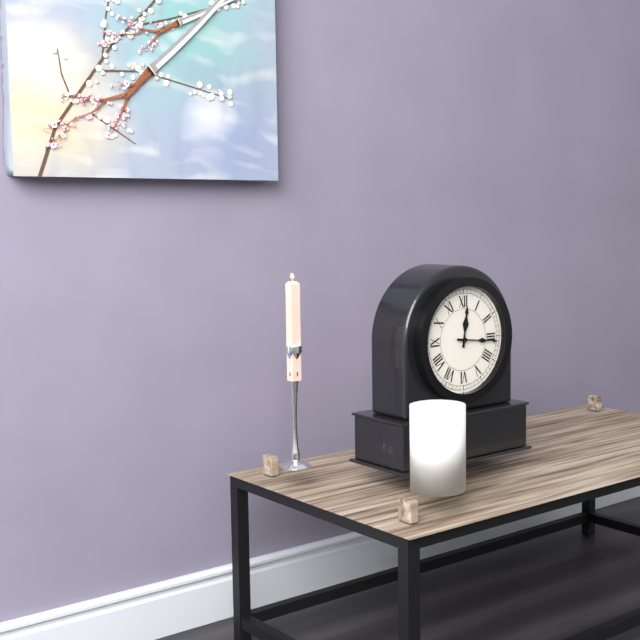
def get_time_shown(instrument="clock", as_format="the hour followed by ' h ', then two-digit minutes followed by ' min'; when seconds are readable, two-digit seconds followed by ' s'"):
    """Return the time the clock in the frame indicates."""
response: 12 h 16 min
